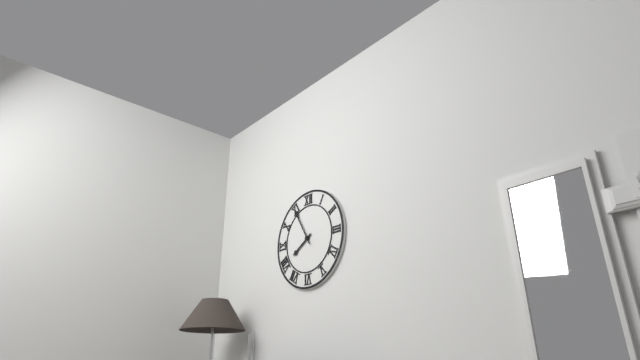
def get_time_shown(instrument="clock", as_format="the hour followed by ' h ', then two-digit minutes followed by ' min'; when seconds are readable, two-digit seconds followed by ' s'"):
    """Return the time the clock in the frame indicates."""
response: 7 h 55 min
